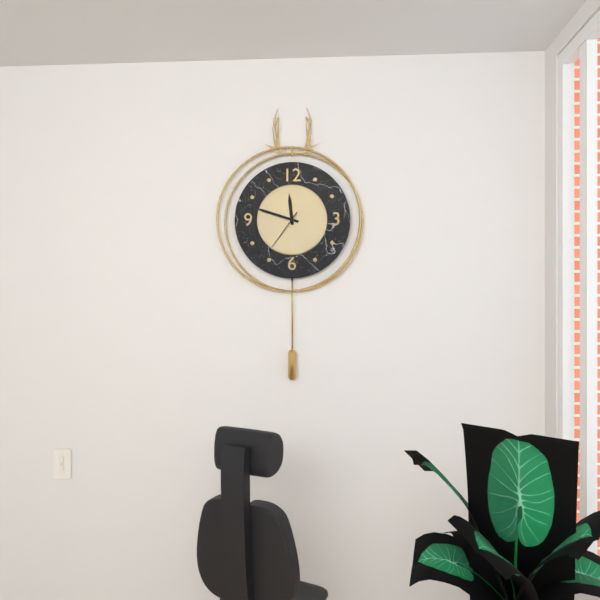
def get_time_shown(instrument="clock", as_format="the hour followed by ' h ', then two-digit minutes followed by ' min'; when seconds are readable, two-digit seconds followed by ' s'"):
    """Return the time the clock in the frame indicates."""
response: 11 h 48 min
